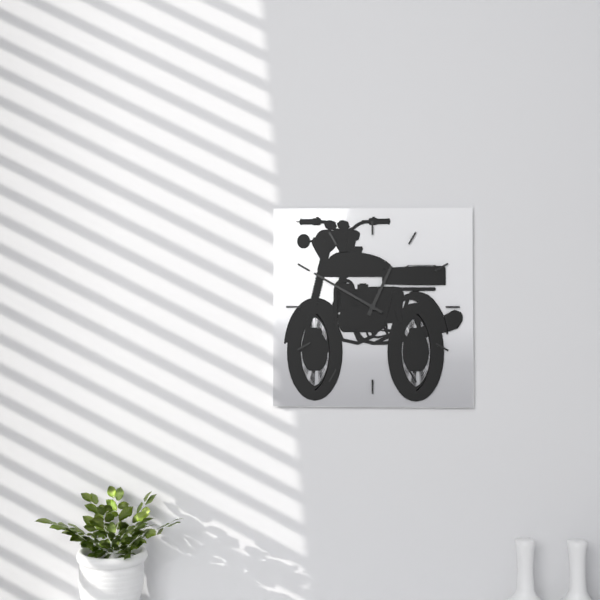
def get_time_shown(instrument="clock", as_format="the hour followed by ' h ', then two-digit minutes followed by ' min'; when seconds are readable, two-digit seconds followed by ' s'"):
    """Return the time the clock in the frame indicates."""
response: 12 h 50 min
